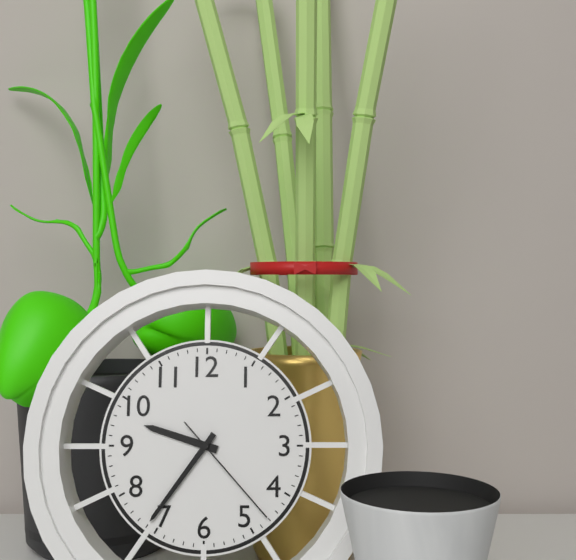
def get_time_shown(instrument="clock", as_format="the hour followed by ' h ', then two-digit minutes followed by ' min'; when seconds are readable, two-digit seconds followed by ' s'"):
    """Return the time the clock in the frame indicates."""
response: 9 h 36 min 23 s
